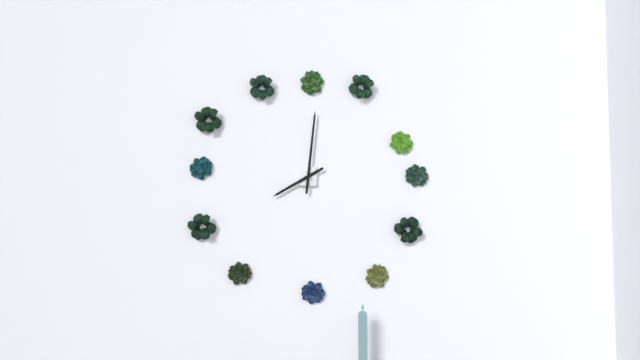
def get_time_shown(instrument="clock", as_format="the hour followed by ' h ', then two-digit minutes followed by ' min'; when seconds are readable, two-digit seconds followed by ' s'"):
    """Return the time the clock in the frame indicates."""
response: 8 h 01 min
